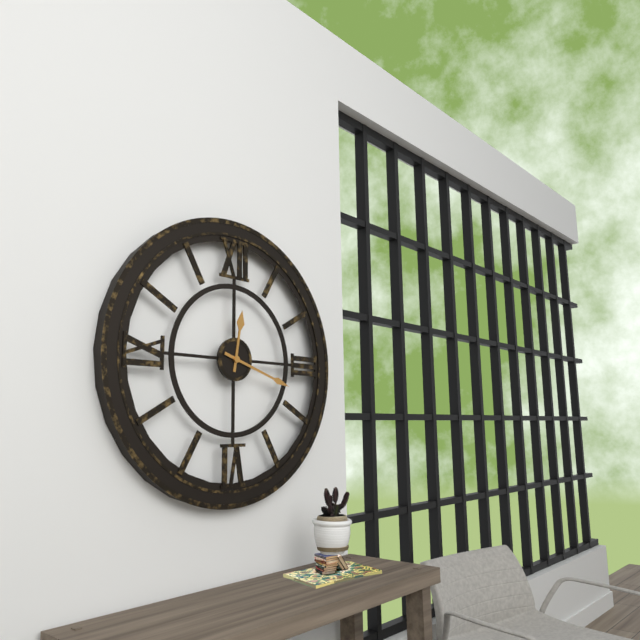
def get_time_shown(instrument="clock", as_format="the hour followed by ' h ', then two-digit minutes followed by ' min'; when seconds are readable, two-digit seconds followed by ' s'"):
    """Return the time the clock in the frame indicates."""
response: 12 h 18 min
